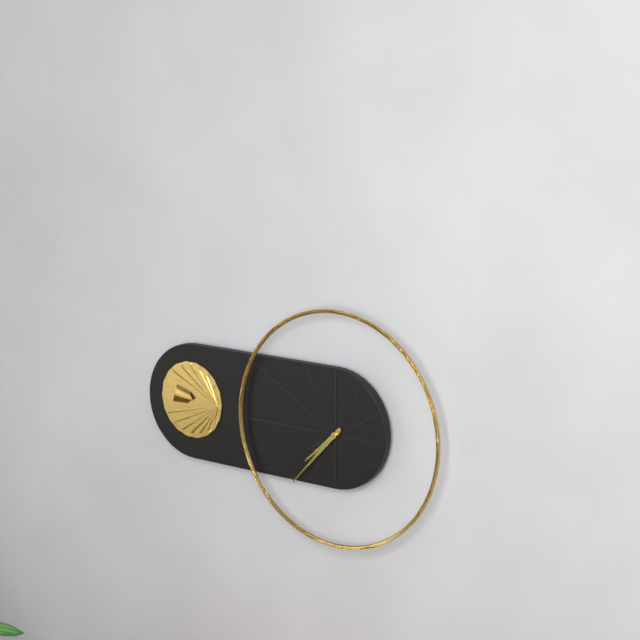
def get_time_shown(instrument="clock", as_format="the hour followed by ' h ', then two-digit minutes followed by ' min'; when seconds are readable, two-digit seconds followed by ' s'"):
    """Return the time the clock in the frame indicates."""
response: 7 h 37 min
